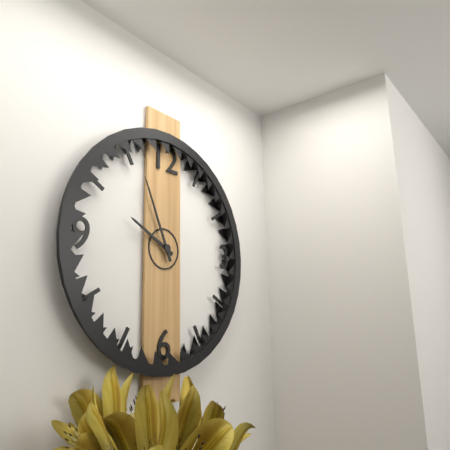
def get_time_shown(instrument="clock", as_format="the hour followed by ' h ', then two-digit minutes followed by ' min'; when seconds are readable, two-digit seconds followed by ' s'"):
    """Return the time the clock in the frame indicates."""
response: 9 h 56 min
